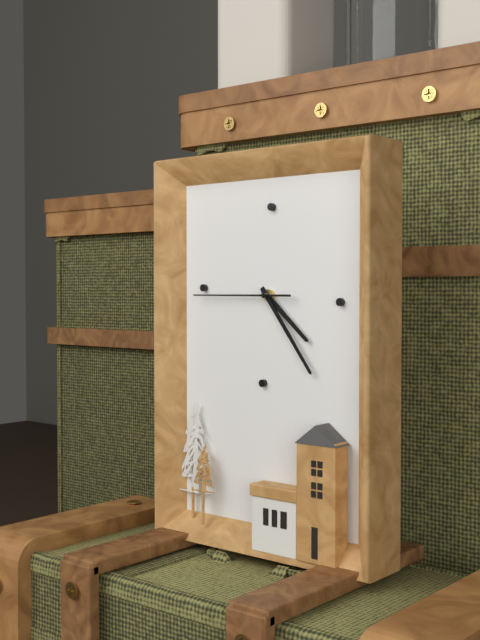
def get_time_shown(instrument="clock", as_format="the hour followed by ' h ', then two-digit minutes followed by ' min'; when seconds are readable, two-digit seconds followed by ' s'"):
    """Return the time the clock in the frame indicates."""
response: 4 h 24 min 45 s
